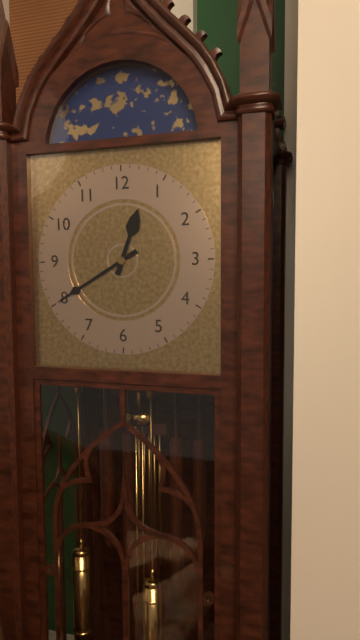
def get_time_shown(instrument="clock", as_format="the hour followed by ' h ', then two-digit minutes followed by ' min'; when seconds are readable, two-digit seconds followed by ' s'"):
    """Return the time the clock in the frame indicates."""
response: 12 h 40 min
